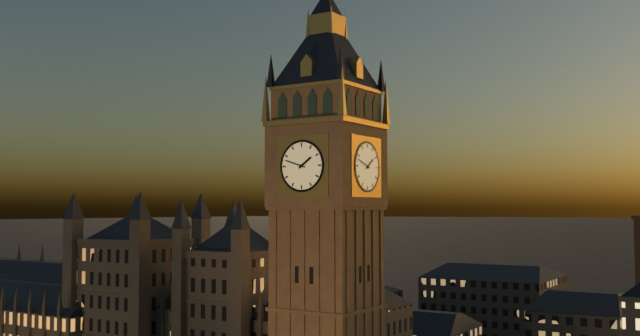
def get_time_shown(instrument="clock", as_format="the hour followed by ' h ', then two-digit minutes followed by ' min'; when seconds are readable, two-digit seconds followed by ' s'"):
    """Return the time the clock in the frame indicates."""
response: 1 h 48 min
